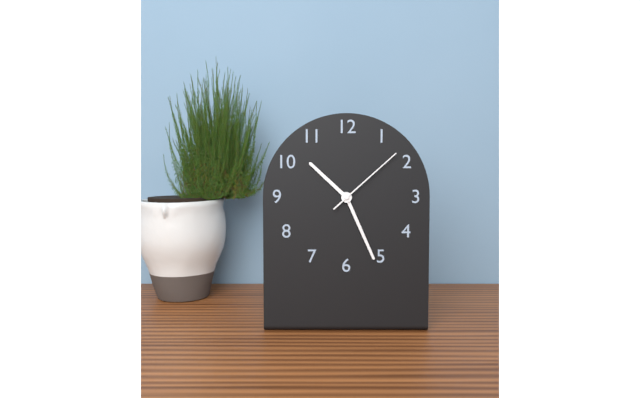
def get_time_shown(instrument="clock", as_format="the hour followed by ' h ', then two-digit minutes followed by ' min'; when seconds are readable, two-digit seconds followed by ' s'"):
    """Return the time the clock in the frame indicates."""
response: 10 h 26 min 08 s
